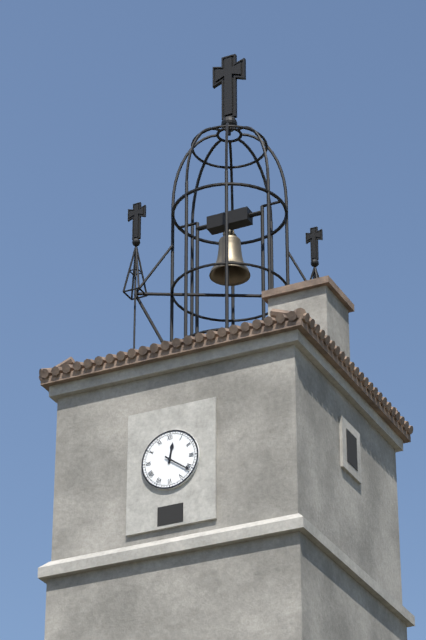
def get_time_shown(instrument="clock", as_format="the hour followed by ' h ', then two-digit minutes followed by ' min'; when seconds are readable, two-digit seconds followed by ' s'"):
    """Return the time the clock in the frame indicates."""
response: 12 h 21 min
